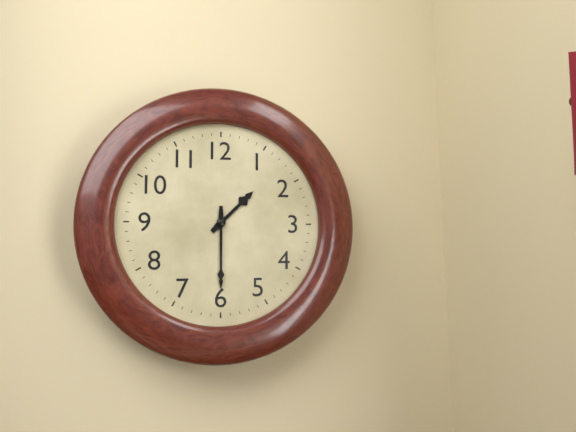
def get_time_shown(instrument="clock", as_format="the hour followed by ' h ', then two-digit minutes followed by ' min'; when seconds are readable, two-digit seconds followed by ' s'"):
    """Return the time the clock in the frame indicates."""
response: 1 h 30 min
